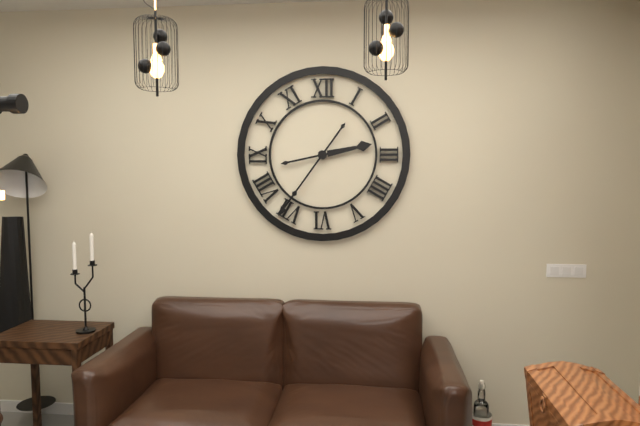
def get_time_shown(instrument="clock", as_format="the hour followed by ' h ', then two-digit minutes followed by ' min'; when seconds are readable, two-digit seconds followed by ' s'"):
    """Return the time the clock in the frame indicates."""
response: 2 h 36 min
